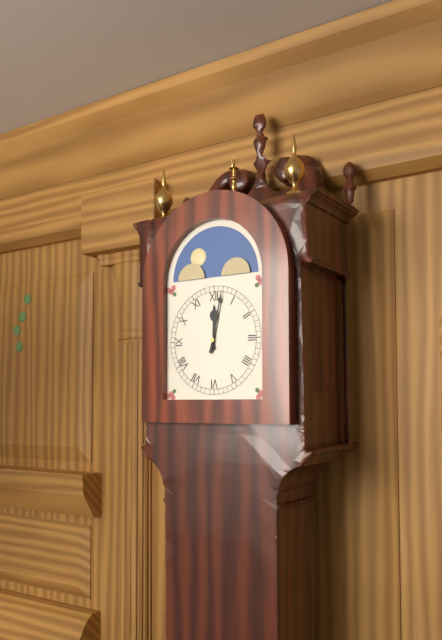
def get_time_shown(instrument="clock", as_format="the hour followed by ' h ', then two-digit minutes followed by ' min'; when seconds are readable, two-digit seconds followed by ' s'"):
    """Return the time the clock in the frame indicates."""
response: 12 h 02 min
